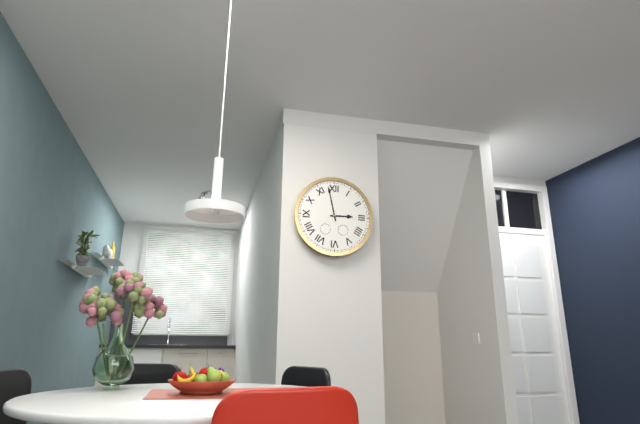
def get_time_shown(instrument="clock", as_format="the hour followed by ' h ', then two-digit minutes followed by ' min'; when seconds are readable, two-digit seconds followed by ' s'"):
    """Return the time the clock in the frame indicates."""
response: 2 h 58 min
